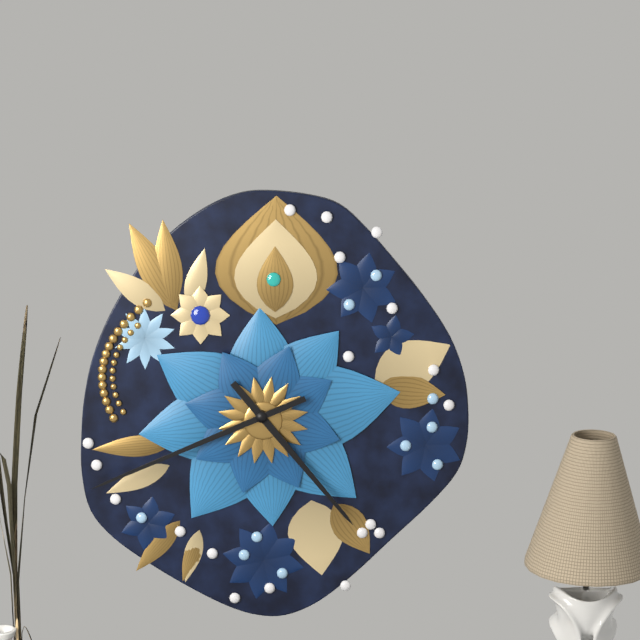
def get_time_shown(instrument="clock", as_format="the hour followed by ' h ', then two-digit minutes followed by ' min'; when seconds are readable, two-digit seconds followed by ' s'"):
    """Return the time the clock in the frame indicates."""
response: 4 h 41 min
